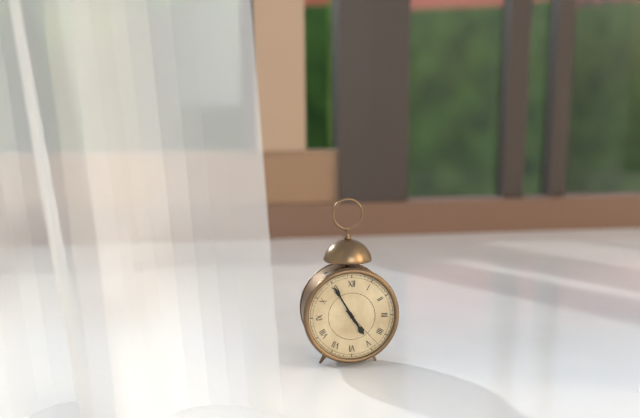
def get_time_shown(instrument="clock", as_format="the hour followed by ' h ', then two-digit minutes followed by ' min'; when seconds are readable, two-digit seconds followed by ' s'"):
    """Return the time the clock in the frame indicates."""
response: 4 h 55 min
